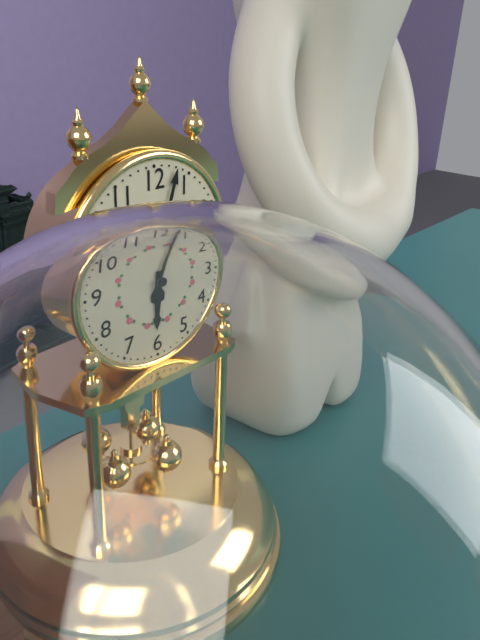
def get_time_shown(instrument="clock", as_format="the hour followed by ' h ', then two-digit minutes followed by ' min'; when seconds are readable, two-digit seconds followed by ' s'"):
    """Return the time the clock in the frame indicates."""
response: 6 h 03 min
